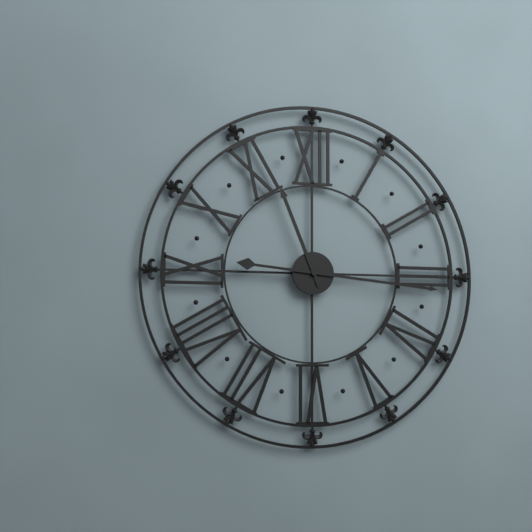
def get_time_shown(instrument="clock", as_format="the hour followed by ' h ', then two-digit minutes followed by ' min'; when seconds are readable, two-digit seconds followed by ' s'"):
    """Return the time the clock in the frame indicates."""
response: 11 h 16 min
